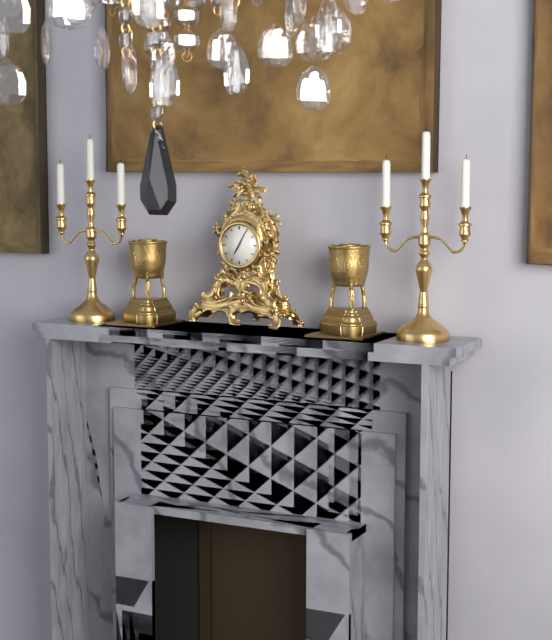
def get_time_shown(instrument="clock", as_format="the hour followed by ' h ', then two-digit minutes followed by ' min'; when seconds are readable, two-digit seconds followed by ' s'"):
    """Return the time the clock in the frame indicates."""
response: 7 h 05 min
